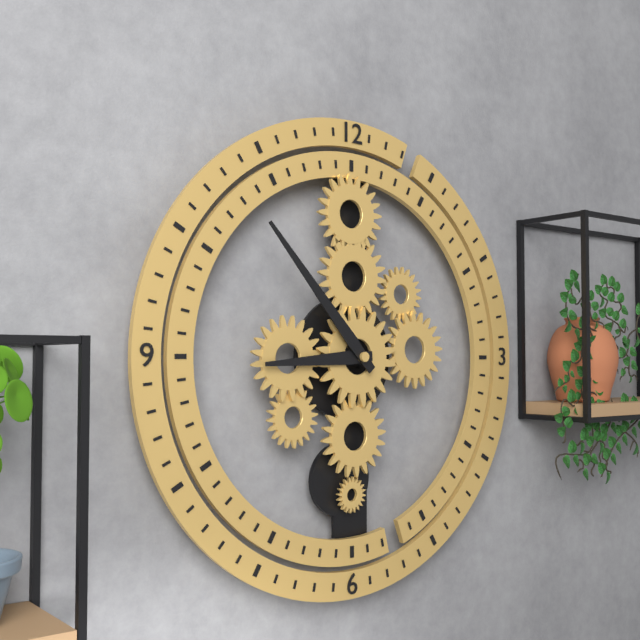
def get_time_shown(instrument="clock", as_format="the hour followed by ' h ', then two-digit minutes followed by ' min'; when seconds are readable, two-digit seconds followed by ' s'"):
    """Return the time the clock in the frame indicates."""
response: 8 h 53 min
